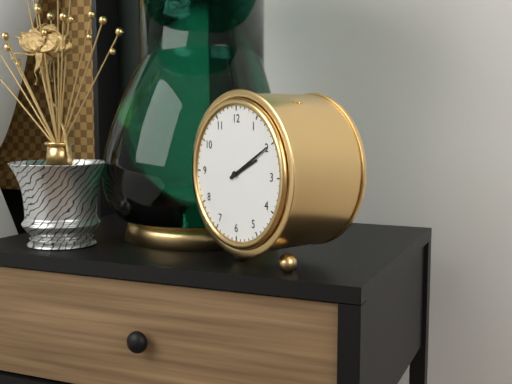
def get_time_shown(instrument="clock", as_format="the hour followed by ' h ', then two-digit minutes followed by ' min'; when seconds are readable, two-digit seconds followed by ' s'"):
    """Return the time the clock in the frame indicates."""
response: 2 h 10 min
